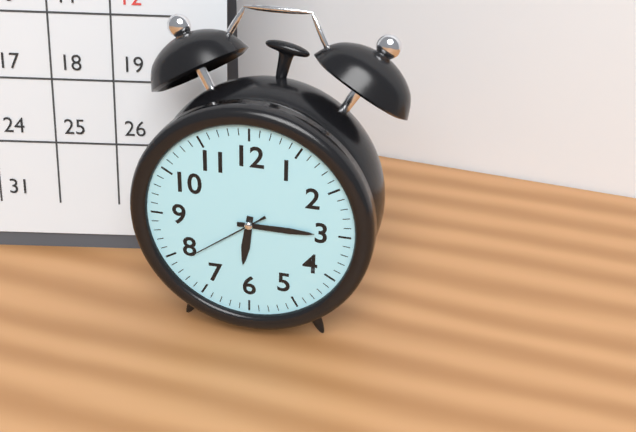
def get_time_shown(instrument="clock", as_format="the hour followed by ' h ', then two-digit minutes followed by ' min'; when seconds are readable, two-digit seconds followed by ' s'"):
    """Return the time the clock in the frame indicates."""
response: 6 h 15 min 39 s
